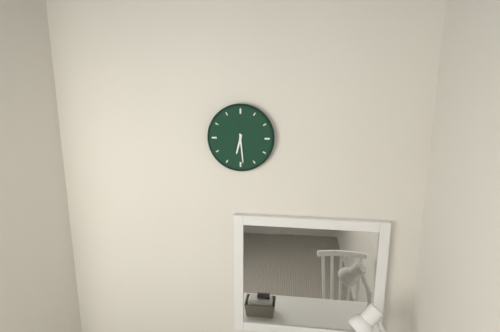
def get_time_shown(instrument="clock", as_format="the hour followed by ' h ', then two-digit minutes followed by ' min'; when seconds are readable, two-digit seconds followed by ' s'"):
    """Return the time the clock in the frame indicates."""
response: 6 h 29 min
